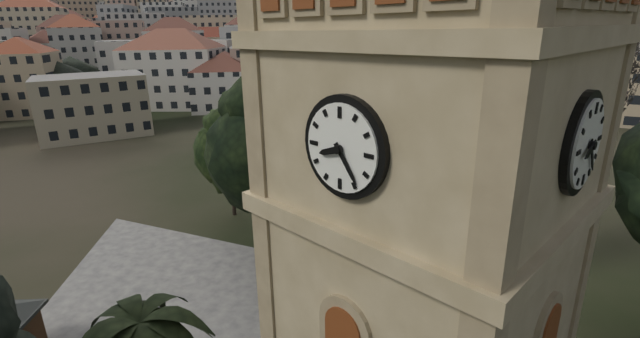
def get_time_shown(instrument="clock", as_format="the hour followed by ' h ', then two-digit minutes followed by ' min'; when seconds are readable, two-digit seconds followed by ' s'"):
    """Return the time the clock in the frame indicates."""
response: 8 h 24 min
